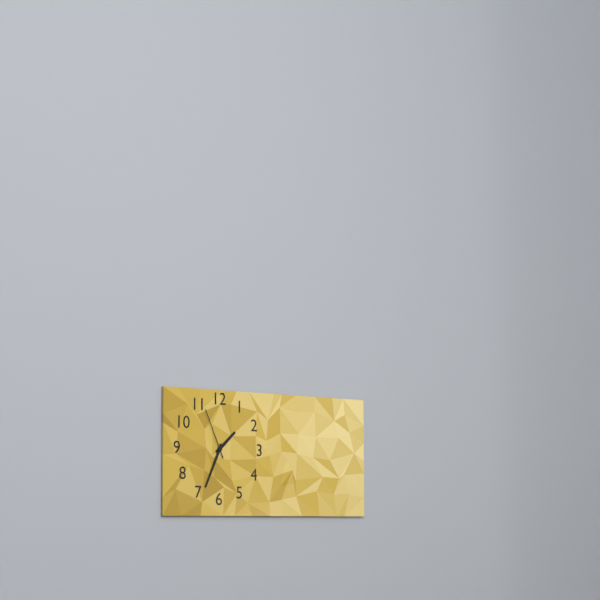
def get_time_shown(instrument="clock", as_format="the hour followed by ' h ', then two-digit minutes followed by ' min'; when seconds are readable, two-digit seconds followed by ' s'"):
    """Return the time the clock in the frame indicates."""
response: 1 h 34 min 56 s
